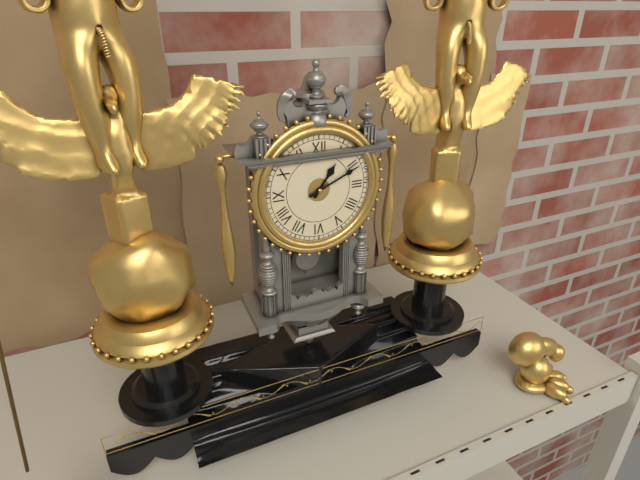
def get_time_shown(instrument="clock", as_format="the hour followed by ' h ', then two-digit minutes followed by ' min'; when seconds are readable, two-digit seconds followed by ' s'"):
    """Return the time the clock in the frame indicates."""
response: 1 h 11 min
